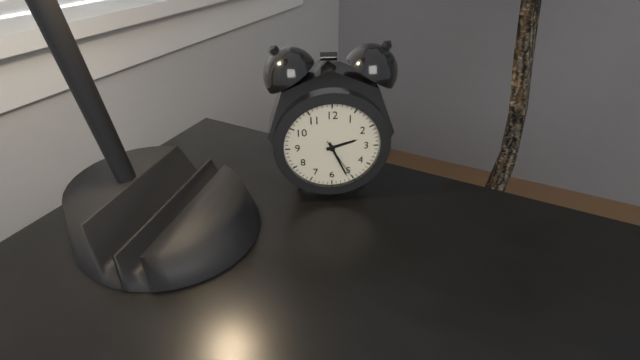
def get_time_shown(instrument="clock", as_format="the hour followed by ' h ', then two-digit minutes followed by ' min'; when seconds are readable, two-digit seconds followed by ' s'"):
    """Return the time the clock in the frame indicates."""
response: 2 h 26 min
